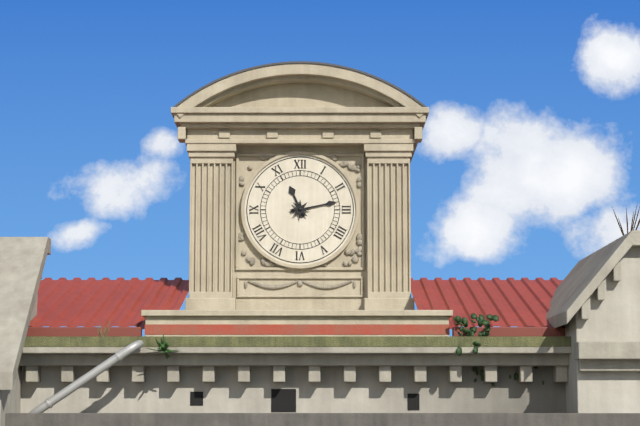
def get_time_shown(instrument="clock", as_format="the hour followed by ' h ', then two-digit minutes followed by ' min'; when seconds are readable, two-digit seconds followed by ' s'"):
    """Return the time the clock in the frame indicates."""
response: 11 h 13 min
